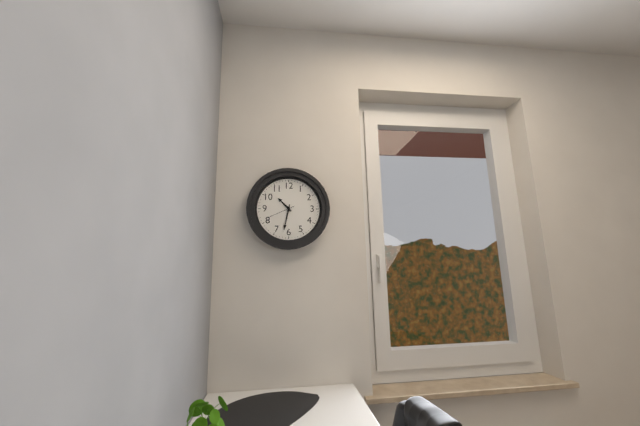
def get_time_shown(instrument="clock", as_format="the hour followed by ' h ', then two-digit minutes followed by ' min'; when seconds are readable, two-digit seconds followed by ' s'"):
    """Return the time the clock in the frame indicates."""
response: 10 h 32 min
